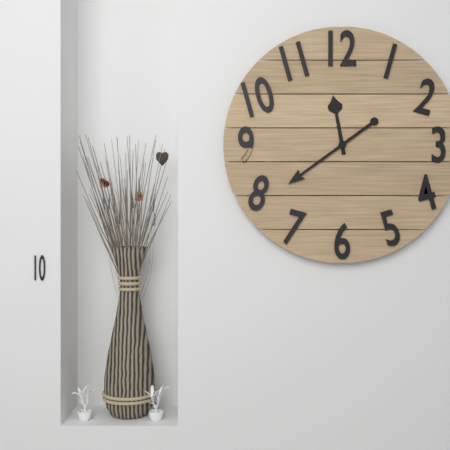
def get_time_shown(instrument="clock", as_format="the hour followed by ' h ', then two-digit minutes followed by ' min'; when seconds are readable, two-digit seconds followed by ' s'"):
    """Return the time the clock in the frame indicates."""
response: 11 h 39 min
